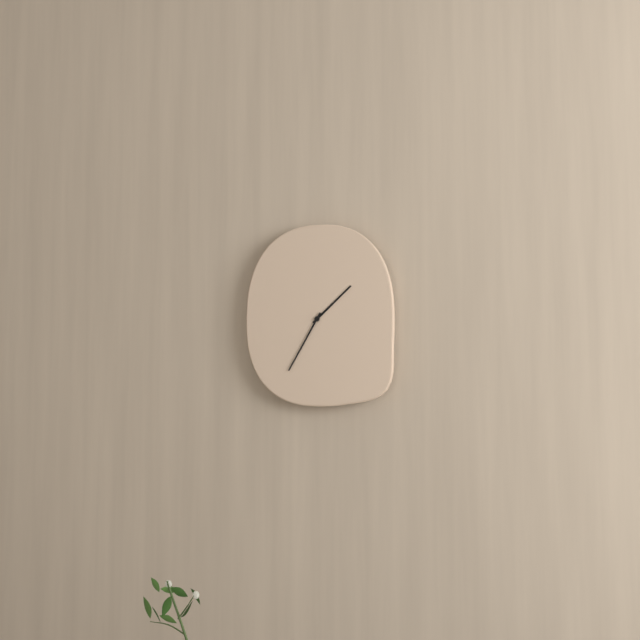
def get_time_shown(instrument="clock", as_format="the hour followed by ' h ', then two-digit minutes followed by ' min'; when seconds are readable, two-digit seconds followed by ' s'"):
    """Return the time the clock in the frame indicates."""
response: 1 h 35 min
